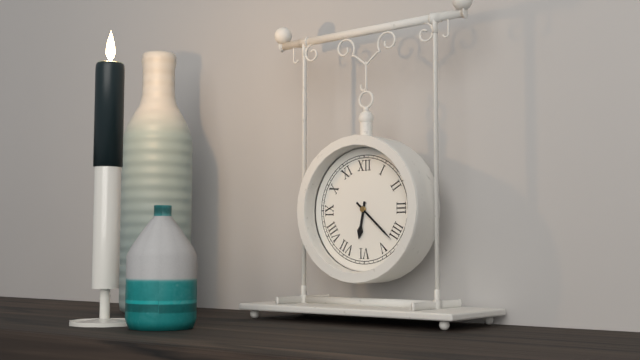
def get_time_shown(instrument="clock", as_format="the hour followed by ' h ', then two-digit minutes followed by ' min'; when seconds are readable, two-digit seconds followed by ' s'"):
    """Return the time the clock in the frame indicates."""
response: 6 h 22 min
